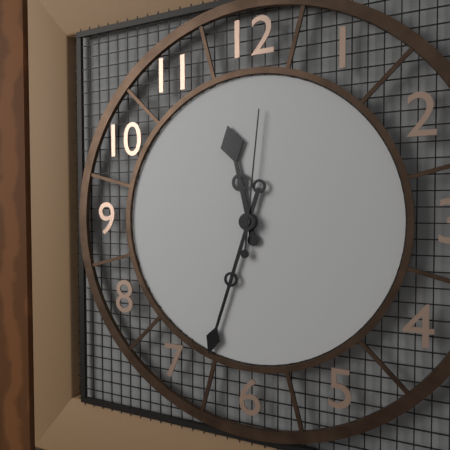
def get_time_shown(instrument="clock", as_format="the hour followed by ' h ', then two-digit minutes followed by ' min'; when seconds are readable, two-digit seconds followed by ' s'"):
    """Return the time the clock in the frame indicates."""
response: 11 h 33 min 01 s
